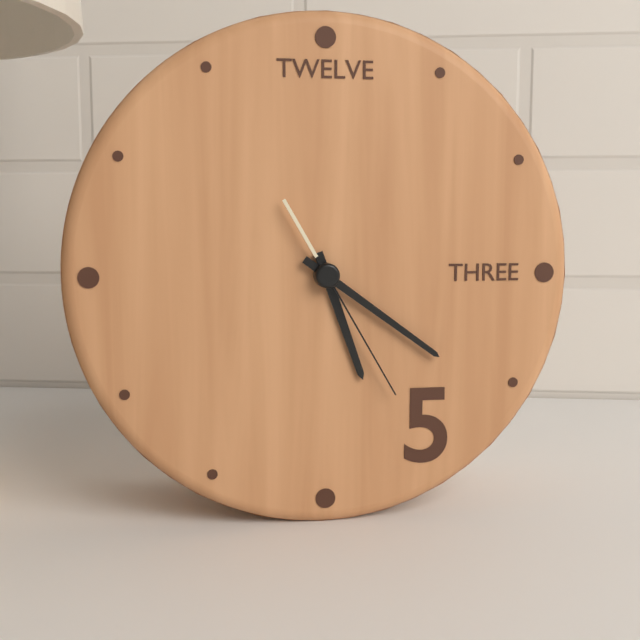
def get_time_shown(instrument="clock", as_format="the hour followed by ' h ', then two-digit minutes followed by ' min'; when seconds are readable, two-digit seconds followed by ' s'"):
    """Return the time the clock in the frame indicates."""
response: 5 h 21 min 25 s
